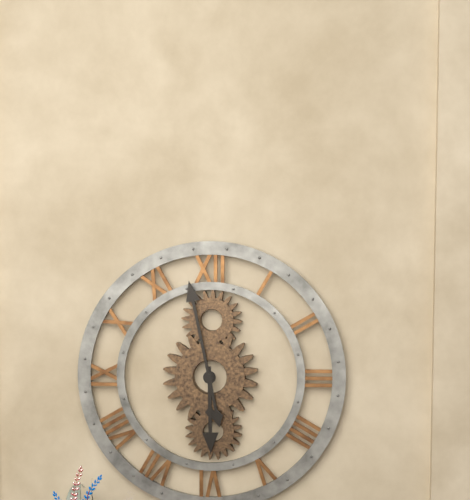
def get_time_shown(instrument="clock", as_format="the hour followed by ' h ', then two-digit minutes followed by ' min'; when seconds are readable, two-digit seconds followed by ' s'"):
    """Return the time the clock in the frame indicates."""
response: 5 h 58 min
